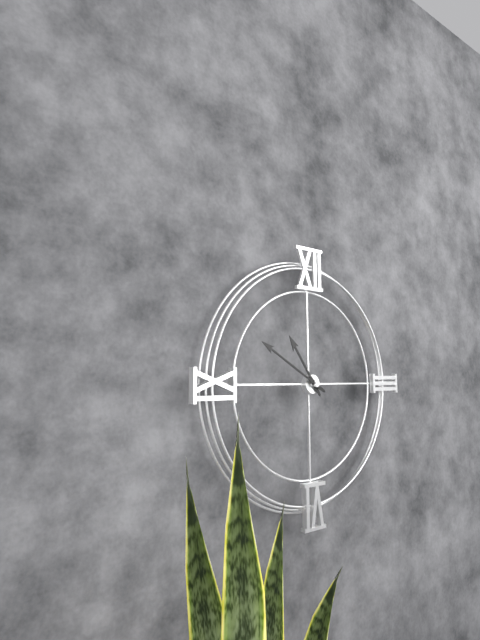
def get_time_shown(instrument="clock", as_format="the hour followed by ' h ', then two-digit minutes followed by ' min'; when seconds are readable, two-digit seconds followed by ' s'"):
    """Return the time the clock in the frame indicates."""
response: 10 h 50 min
